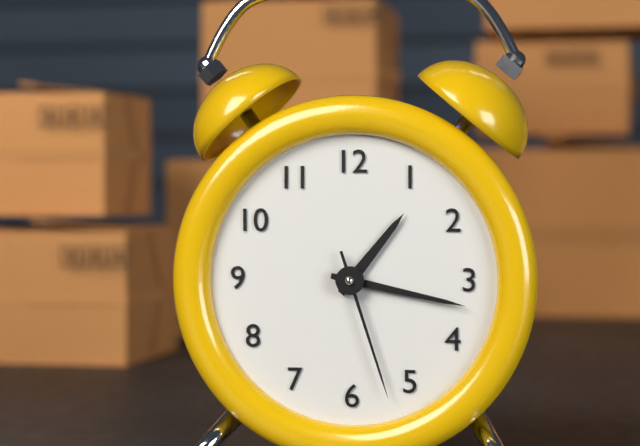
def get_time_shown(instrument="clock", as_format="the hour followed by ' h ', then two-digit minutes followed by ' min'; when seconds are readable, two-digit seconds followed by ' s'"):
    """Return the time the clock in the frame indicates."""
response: 1 h 17 min 27 s
